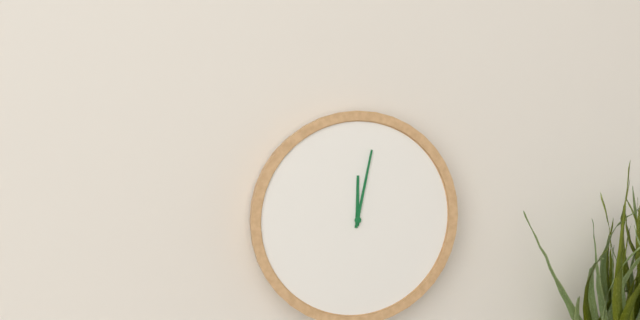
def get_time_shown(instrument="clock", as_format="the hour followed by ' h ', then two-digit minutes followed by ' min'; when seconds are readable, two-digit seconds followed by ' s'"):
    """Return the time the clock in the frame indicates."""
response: 12 h 02 min
